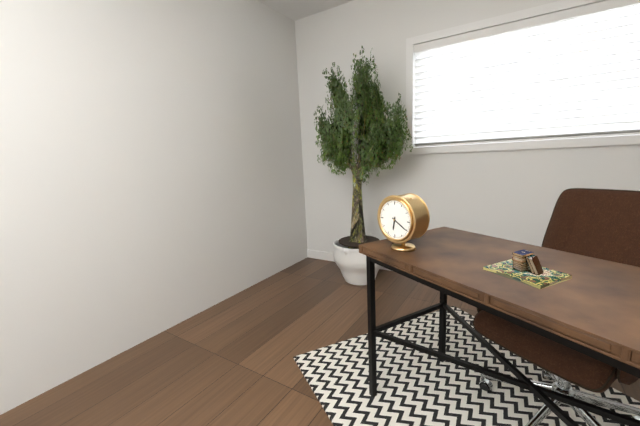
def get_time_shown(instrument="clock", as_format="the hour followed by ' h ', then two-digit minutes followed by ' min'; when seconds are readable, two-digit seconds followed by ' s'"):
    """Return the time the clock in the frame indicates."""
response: 6 h 20 min
